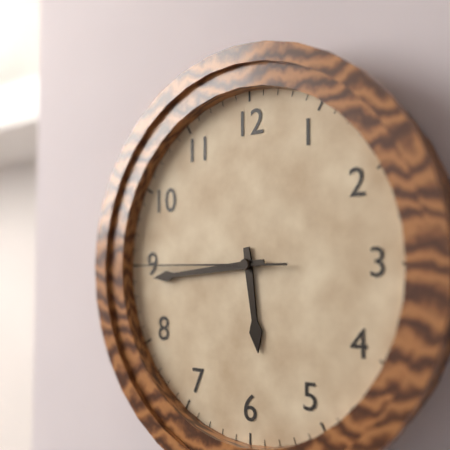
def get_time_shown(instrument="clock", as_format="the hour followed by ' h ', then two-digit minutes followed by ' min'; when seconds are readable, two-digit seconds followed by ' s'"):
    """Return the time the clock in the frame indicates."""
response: 5 h 44 min 45 s
